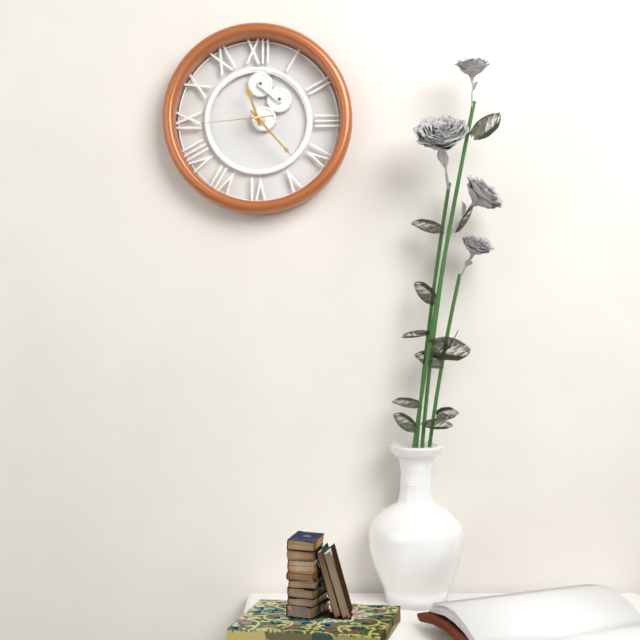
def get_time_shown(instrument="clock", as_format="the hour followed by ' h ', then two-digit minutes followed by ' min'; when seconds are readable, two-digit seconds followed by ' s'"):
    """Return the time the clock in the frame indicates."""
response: 11 h 23 min 44 s
